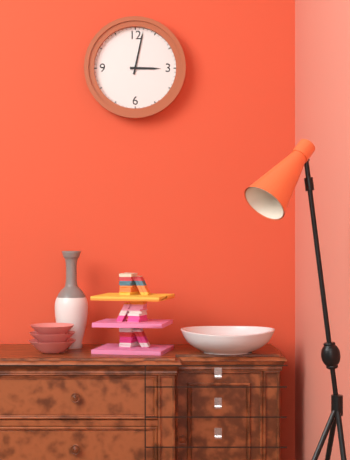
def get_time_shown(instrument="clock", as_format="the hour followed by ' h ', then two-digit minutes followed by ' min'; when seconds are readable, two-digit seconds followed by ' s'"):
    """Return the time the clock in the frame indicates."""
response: 3 h 02 min
